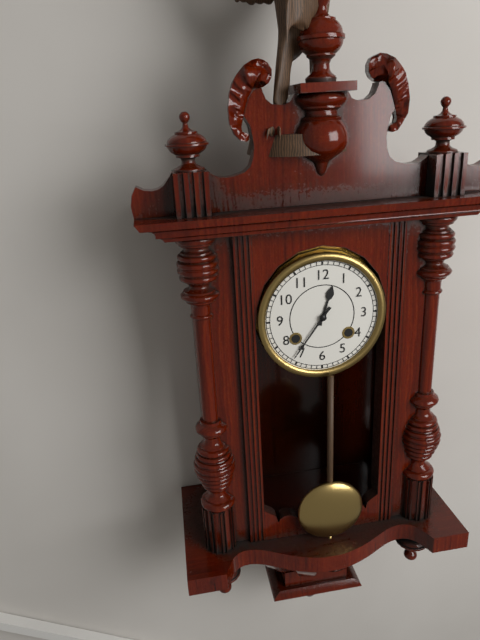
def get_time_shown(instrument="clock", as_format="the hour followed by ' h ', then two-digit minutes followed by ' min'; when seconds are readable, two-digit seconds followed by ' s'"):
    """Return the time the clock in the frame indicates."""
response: 12 h 36 min
